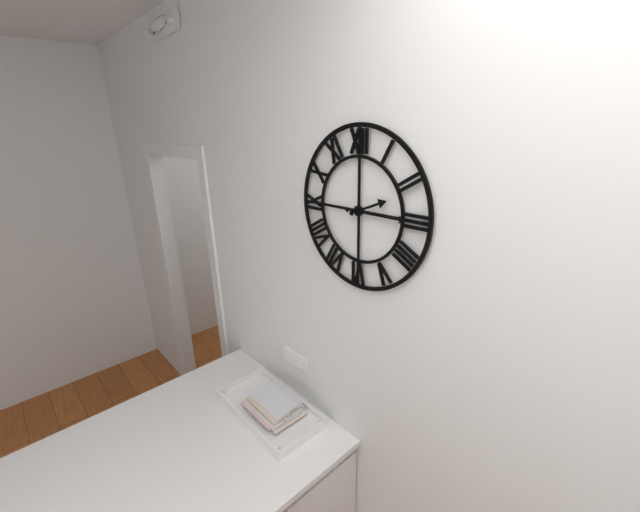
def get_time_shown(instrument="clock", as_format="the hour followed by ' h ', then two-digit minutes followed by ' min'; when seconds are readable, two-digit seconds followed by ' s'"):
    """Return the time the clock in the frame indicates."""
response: 2 h 15 min
